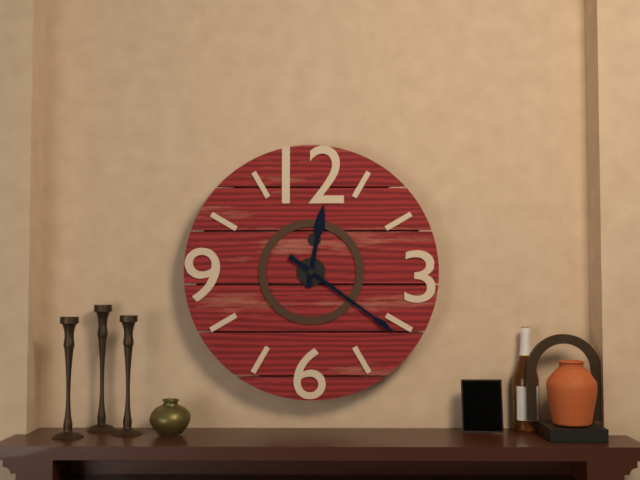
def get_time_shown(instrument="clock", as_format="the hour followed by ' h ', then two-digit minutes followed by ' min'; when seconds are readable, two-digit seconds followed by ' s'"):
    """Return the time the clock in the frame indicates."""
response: 12 h 21 min
